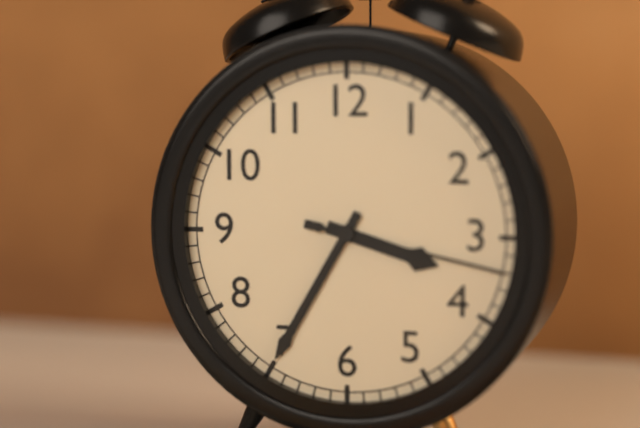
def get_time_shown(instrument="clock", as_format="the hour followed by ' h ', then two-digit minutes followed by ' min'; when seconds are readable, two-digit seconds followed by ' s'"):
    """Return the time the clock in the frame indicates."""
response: 3 h 35 min 17 s
